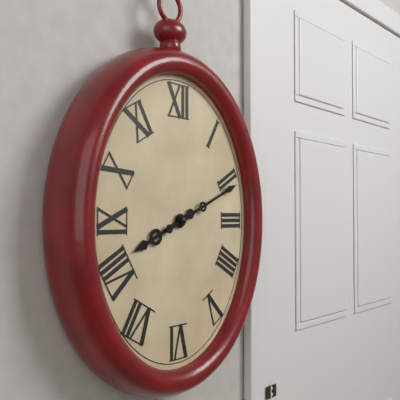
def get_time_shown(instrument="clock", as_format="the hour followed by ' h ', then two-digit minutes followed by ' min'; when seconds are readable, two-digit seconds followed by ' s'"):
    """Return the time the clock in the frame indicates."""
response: 8 h 11 min
